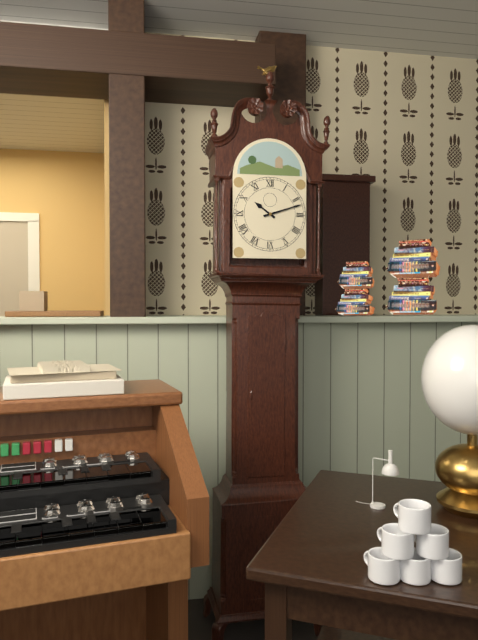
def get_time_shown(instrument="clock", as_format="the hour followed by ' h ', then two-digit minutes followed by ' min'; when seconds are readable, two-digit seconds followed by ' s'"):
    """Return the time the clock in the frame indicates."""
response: 10 h 12 min
